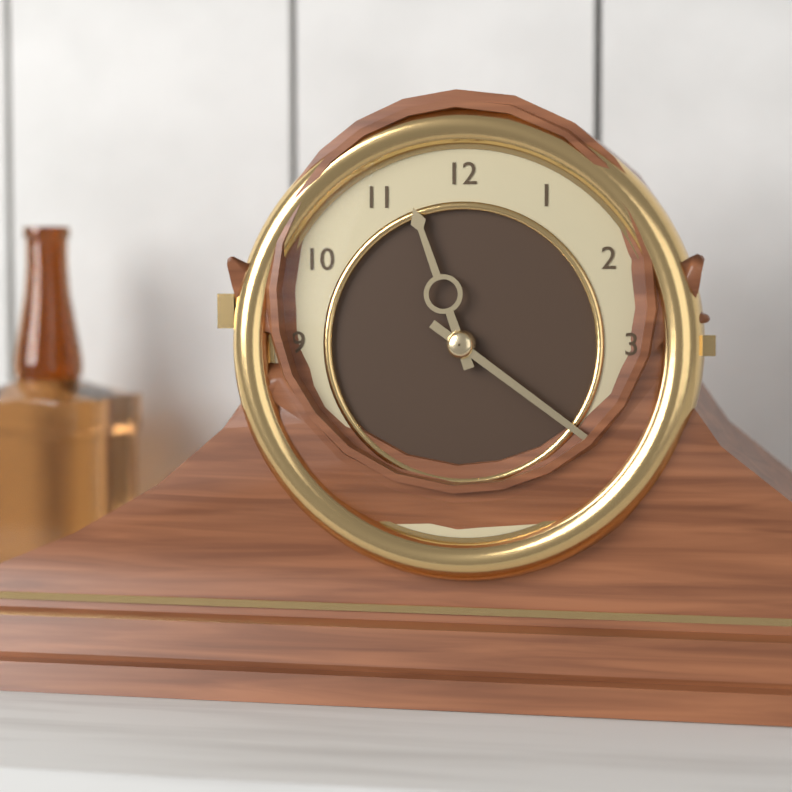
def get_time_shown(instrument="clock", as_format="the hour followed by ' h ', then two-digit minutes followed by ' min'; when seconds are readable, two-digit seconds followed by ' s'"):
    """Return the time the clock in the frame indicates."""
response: 11 h 21 min
